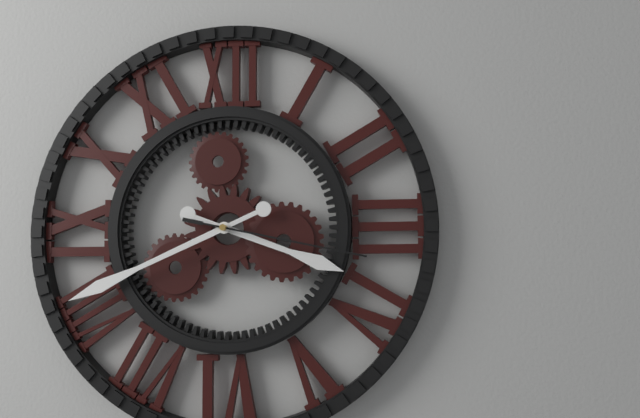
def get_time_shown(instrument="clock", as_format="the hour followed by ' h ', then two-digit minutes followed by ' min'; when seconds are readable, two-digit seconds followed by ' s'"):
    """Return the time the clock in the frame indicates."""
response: 3 h 41 min 17 s
